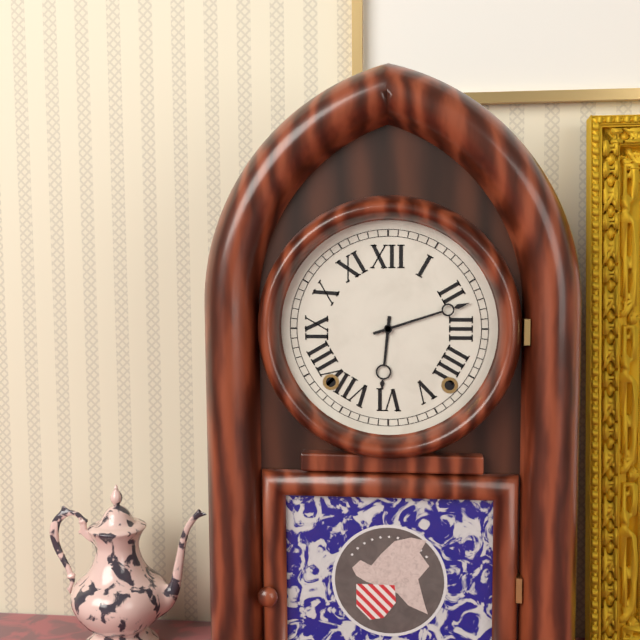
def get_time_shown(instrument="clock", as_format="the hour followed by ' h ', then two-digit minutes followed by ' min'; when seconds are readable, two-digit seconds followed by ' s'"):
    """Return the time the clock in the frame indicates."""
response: 6 h 12 min
